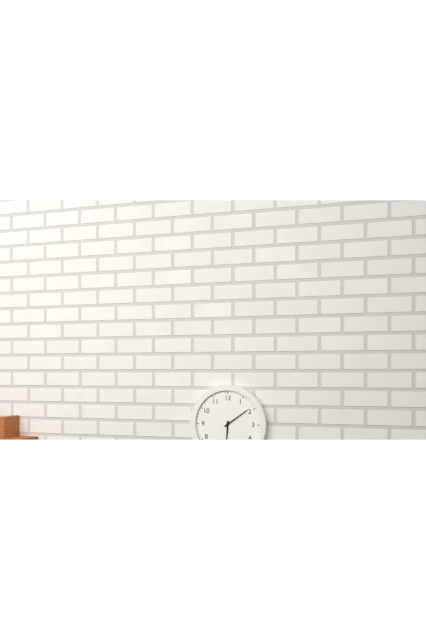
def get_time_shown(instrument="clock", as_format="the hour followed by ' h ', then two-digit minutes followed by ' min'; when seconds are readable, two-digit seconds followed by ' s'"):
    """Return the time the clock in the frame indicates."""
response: 6 h 09 min
